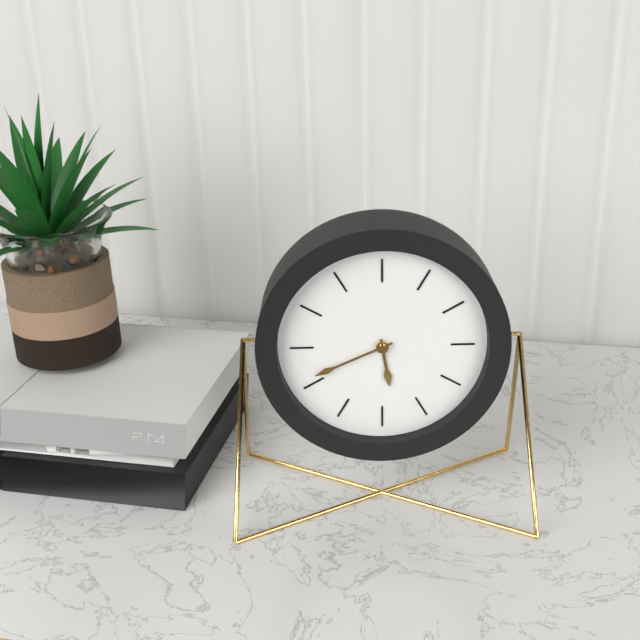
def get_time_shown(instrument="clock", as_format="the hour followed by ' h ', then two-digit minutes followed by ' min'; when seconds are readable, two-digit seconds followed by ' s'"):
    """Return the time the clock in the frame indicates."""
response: 5 h 41 min
